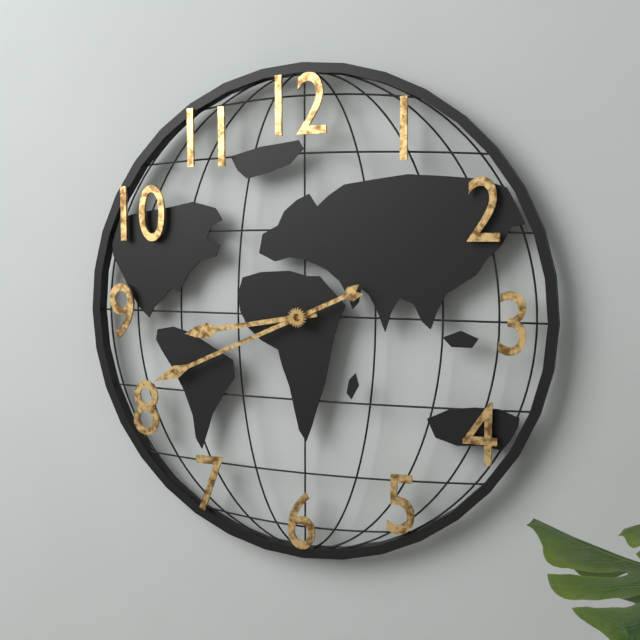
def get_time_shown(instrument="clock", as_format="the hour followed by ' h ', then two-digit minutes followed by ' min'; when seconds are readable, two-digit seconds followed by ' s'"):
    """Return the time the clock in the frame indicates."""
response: 8 h 41 min
